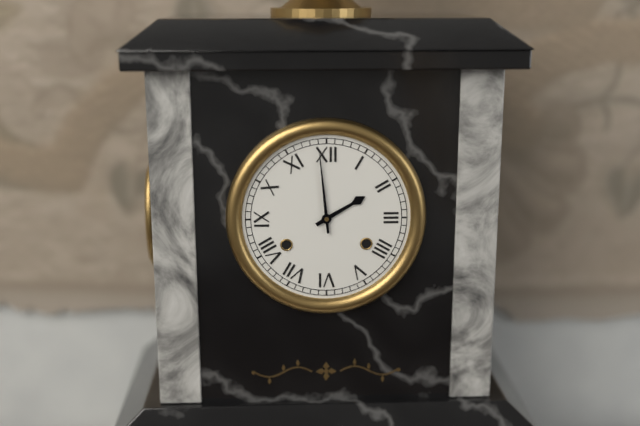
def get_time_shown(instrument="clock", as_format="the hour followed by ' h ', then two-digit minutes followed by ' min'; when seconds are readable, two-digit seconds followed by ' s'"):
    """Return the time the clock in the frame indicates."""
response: 1 h 59 min
